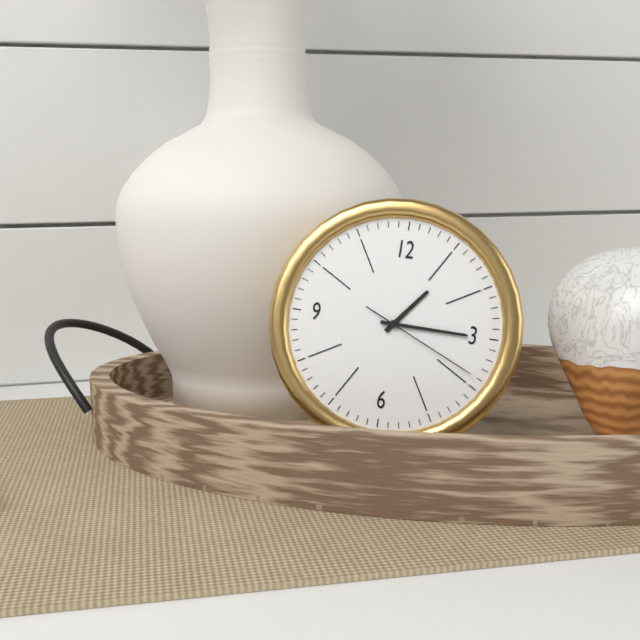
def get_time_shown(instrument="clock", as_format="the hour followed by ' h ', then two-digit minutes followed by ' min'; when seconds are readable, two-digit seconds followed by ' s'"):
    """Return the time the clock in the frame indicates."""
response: 1 h 15 min 19 s
